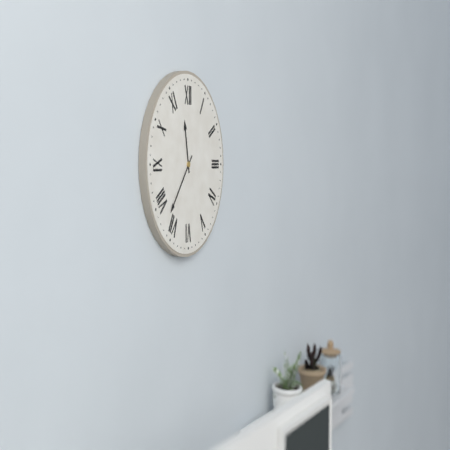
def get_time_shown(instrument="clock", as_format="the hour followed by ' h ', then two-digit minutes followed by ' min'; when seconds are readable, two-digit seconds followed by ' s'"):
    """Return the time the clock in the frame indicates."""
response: 11 h 37 min
